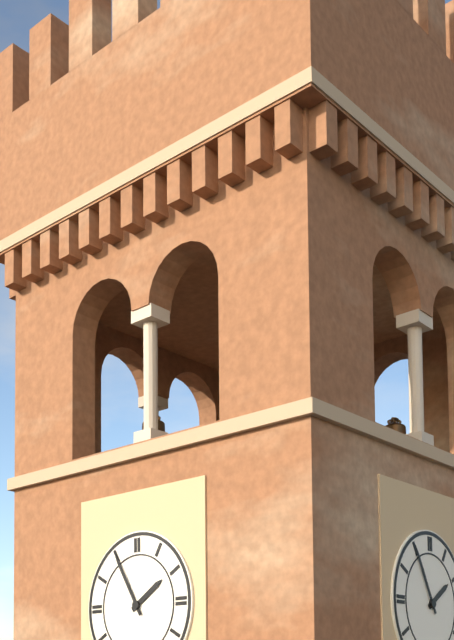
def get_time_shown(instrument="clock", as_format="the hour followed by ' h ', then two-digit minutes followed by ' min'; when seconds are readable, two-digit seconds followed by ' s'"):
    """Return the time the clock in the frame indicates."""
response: 1 h 55 min
